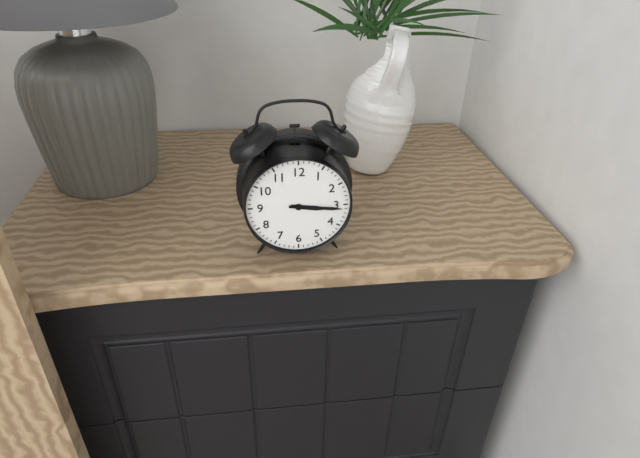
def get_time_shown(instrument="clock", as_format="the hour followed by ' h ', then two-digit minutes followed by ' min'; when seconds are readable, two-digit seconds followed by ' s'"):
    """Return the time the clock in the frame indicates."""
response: 3 h 16 min
